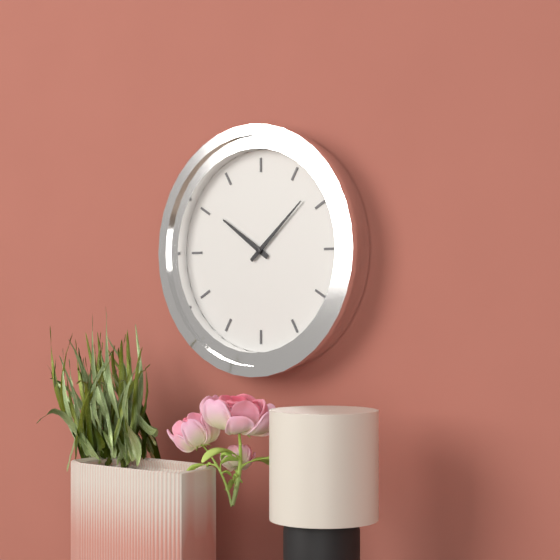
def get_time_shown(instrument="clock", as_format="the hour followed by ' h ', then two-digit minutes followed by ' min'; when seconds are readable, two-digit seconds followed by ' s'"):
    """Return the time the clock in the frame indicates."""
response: 10 h 08 min
